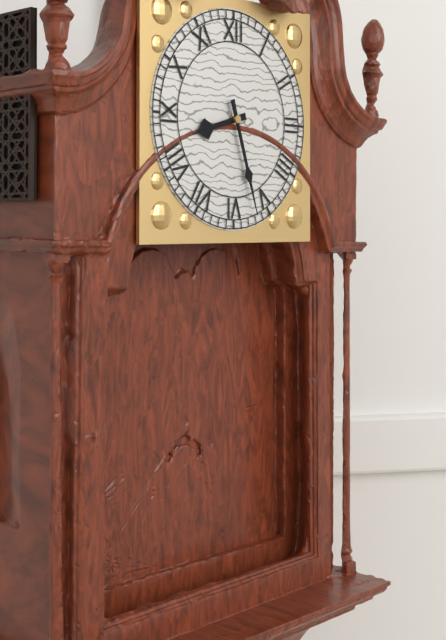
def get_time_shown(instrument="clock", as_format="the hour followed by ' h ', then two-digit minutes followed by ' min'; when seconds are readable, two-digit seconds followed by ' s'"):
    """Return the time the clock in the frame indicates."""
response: 8 h 27 min
